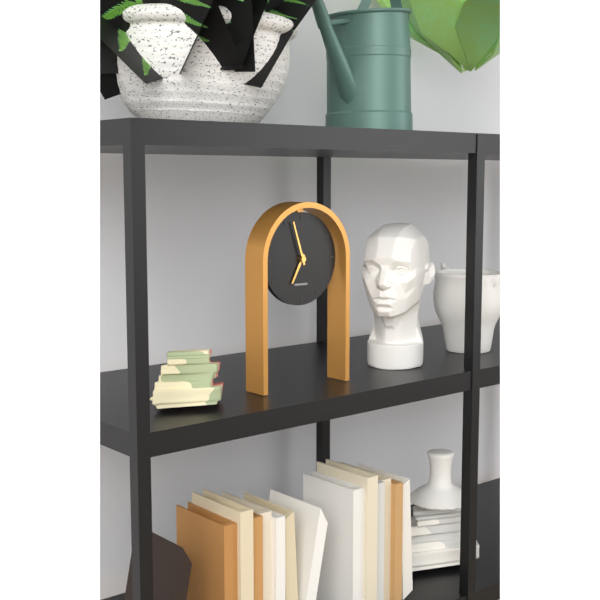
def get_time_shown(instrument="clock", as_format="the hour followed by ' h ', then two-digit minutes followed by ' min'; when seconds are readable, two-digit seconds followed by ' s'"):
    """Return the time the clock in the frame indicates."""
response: 6 h 57 min
